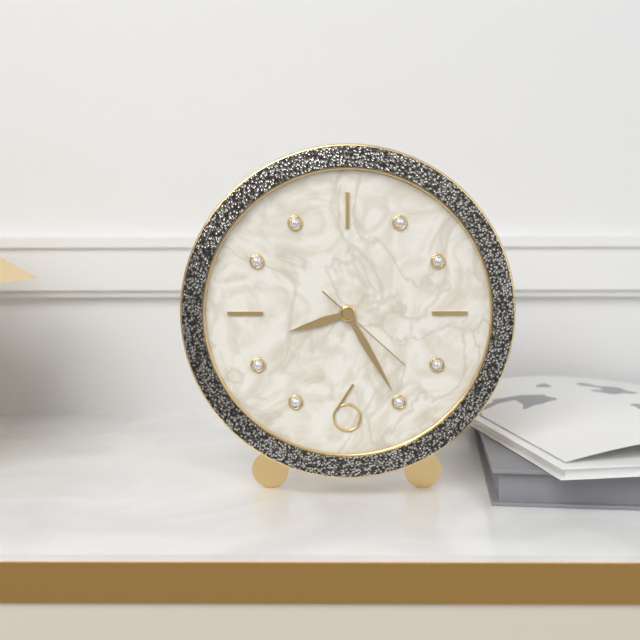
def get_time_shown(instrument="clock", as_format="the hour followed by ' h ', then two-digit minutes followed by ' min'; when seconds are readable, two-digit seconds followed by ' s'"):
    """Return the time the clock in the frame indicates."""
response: 8 h 25 min 22 s
